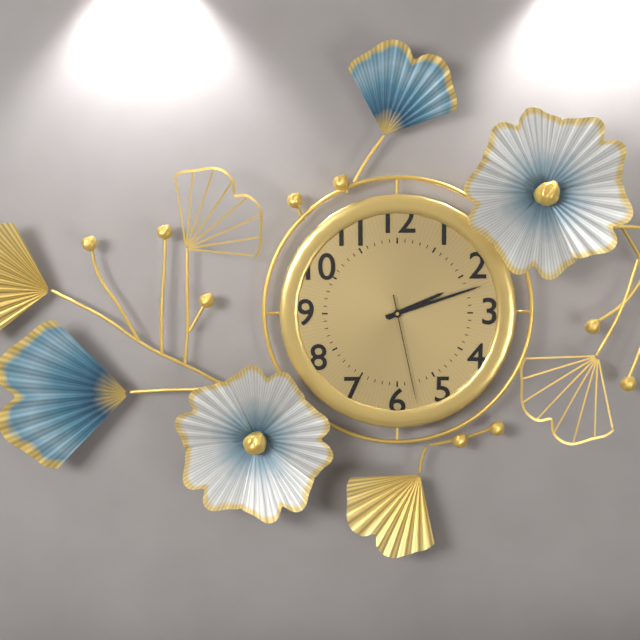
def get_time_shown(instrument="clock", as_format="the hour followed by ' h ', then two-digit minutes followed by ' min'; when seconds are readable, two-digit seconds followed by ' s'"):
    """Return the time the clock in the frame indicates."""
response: 2 h 12 min 28 s
